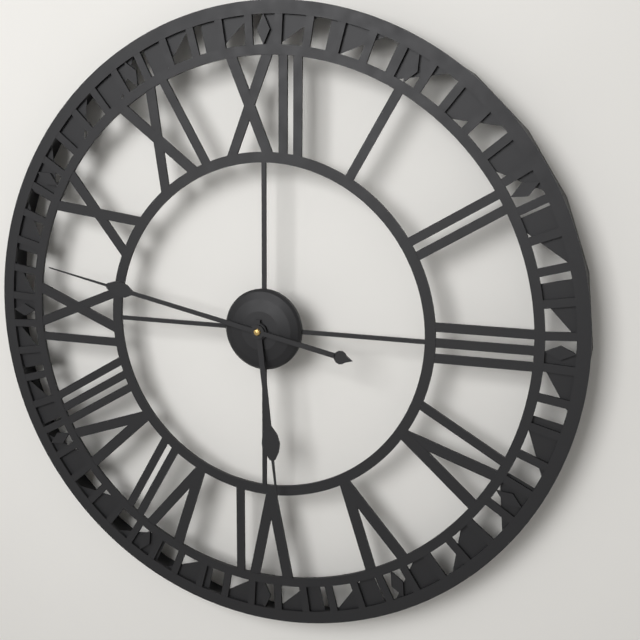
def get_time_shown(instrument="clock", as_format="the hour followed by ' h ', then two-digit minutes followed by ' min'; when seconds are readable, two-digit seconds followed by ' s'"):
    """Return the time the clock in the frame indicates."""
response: 5 h 47 min
